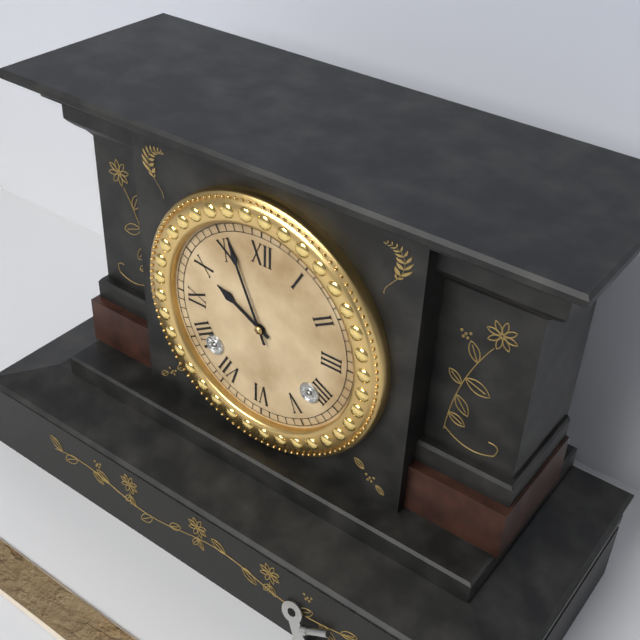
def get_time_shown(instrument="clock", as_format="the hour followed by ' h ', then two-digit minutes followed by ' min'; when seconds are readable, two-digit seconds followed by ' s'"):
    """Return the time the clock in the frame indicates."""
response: 9 h 56 min
